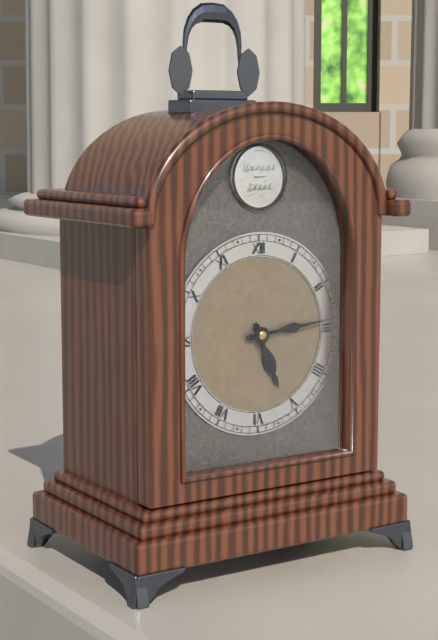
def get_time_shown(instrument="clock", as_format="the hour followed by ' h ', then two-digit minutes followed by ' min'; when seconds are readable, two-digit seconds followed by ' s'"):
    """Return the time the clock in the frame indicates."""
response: 5 h 14 min
